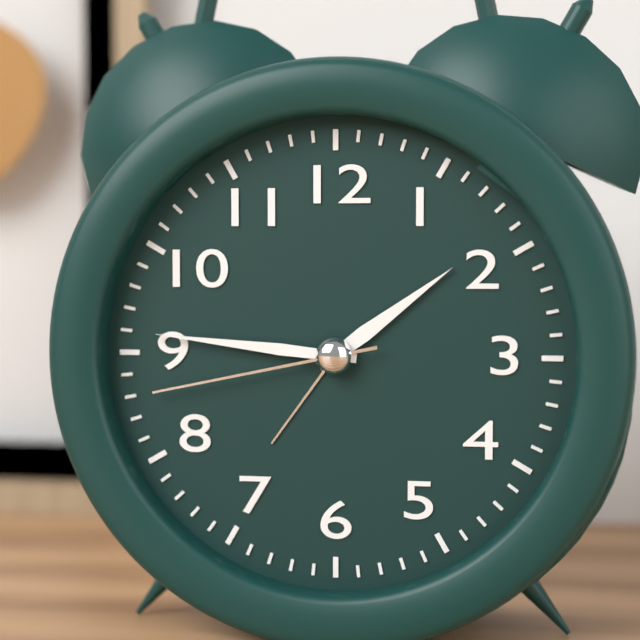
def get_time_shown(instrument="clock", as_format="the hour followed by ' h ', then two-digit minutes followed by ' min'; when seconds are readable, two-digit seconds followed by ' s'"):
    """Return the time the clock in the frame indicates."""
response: 1 h 46 min 43 s
